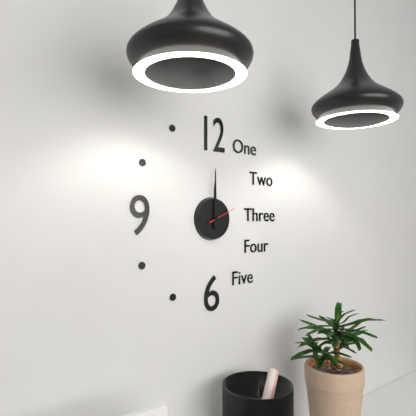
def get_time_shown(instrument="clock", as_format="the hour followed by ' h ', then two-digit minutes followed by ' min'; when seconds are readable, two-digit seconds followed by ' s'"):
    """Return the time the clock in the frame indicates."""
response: 12 h 00 min
